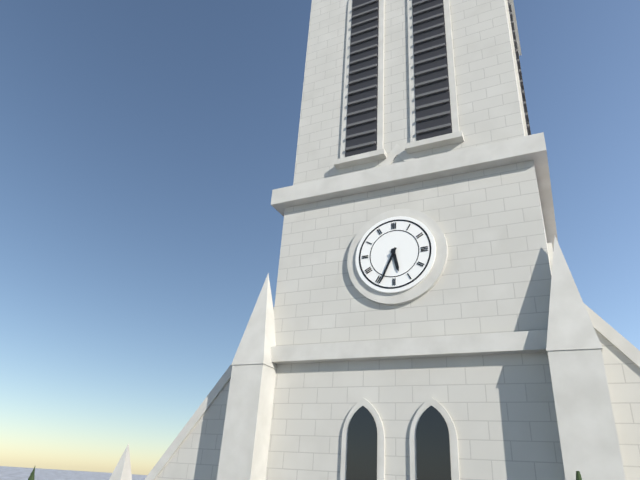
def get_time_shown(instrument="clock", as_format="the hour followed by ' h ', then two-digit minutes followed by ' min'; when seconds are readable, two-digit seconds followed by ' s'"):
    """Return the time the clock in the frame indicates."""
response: 5 h 34 min
